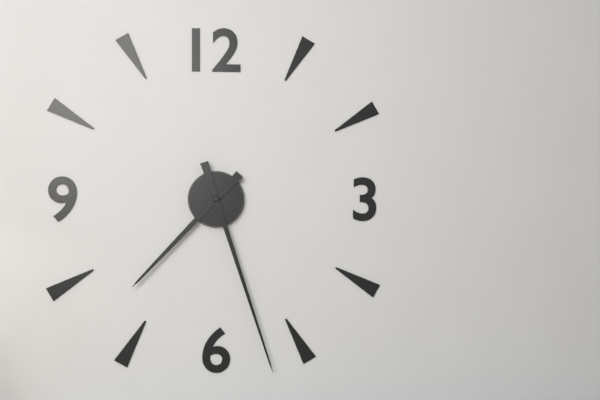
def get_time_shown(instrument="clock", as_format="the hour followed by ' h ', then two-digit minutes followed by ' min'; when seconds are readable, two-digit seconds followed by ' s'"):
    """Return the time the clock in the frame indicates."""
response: 7 h 27 min
